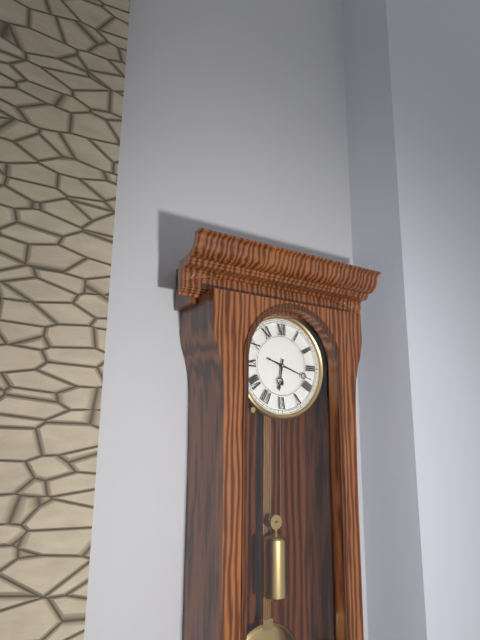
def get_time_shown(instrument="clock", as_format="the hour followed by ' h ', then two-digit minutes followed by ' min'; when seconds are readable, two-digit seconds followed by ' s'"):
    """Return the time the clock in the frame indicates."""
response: 6 h 18 min
